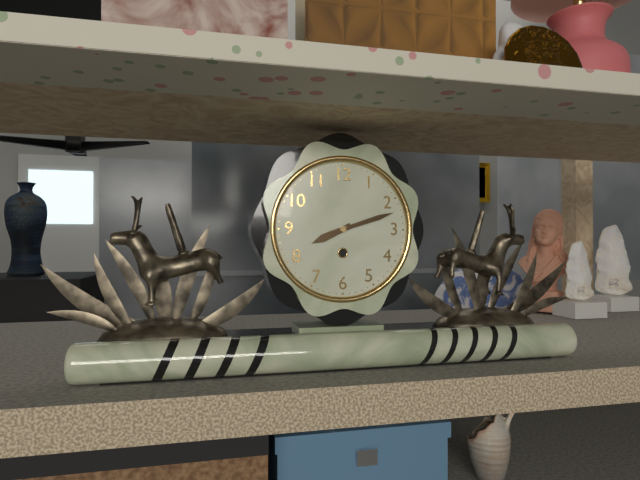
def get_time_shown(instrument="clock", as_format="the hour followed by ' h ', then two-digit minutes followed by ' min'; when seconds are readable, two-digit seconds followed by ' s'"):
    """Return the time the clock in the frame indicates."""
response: 8 h 12 min
